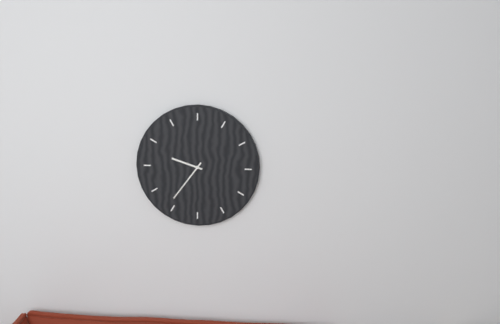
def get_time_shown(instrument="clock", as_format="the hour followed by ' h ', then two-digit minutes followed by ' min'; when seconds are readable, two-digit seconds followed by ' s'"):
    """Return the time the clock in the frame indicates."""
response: 9 h 36 min
